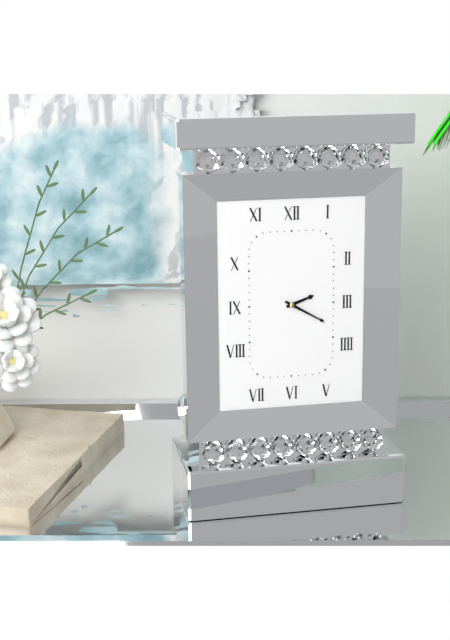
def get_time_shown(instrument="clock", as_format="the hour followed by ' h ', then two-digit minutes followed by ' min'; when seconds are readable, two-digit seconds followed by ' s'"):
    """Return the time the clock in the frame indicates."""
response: 2 h 20 min
